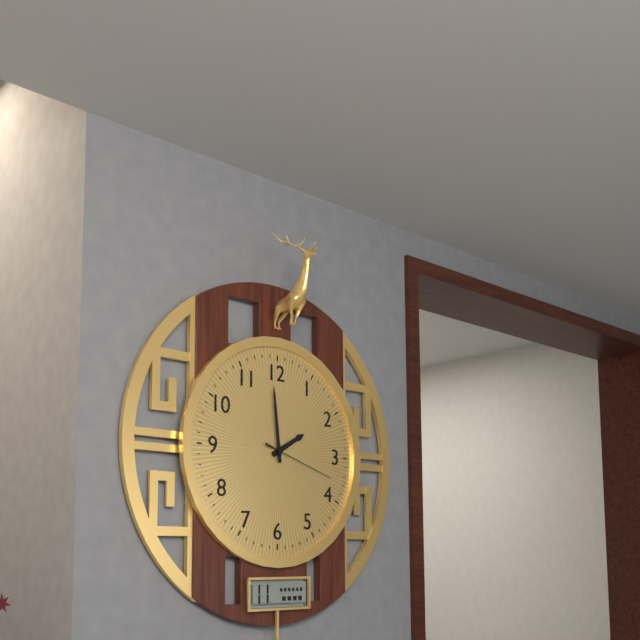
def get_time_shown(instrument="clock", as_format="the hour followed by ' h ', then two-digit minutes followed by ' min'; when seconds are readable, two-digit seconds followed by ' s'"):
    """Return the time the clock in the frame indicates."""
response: 1 h 59 min 18 s
